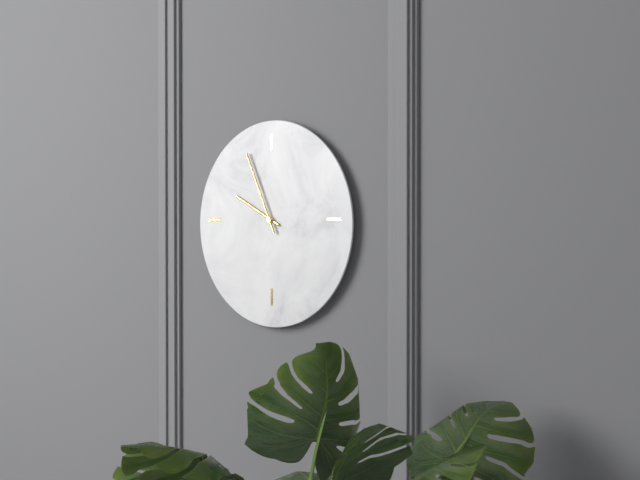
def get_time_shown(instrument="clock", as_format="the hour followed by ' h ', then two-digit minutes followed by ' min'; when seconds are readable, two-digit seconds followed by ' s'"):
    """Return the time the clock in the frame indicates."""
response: 9 h 56 min
